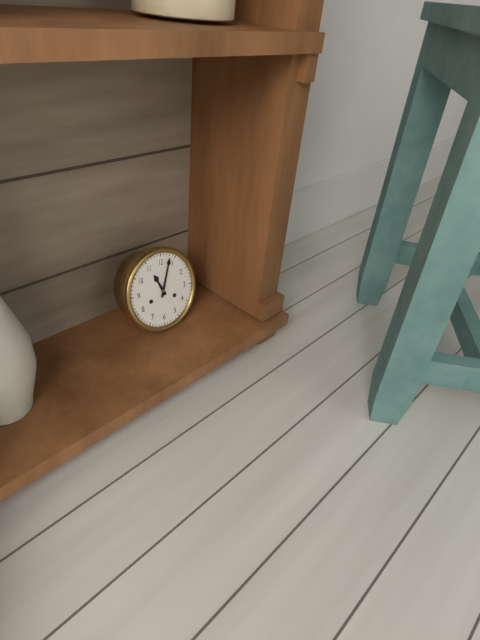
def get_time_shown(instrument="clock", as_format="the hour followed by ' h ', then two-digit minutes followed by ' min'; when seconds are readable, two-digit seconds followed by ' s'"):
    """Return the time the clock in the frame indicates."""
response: 11 h 03 min
